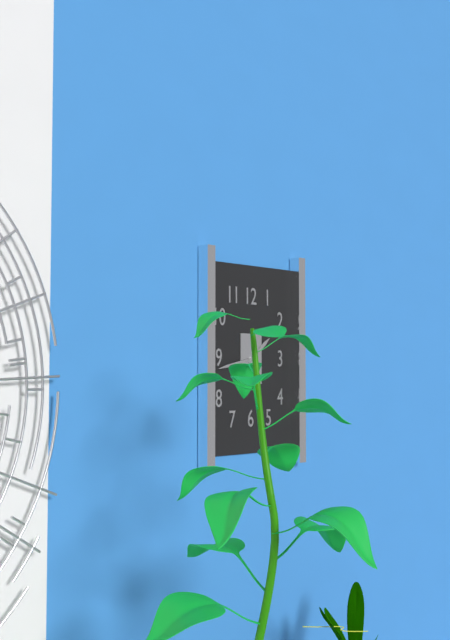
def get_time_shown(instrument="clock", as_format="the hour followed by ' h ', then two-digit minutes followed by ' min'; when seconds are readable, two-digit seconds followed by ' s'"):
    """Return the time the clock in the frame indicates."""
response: 1 h 43 min
